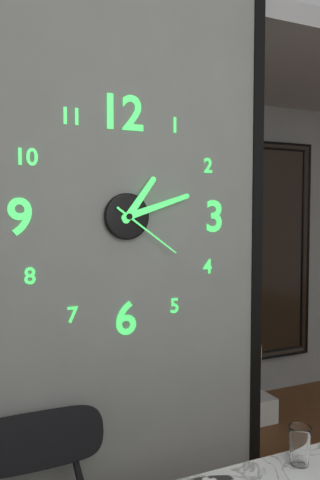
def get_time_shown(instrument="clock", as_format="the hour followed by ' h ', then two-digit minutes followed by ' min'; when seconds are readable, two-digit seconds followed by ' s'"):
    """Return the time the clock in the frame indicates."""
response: 1 h 12 min 21 s
